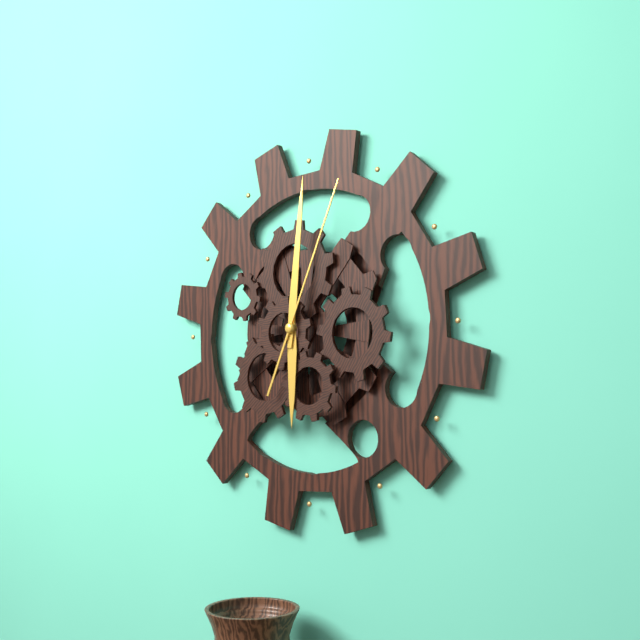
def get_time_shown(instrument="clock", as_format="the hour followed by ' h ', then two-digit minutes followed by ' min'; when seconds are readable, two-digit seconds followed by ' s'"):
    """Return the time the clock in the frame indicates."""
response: 6 h 01 min 04 s
